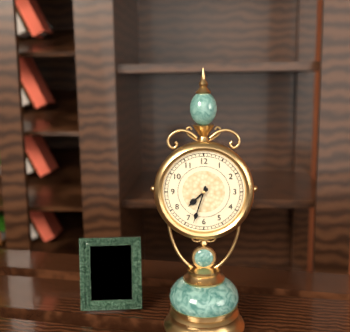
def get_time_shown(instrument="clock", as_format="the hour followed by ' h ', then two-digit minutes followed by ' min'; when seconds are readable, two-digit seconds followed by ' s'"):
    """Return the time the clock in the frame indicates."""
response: 7 h 33 min
